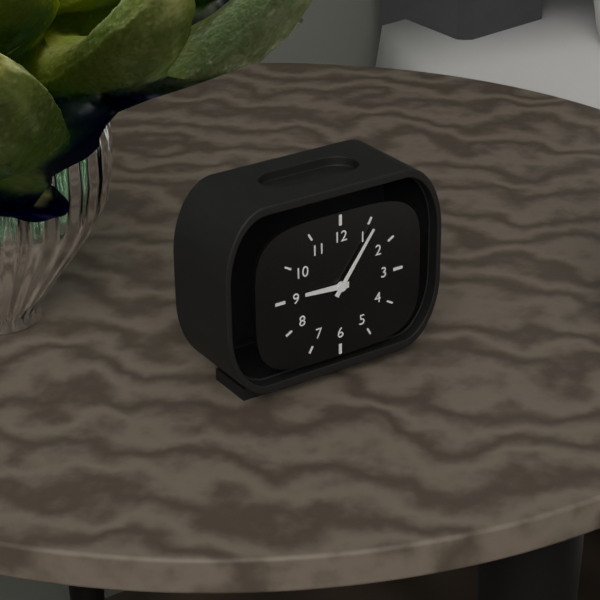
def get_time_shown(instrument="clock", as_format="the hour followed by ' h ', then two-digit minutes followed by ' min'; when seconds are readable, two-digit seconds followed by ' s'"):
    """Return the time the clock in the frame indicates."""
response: 9 h 06 min
